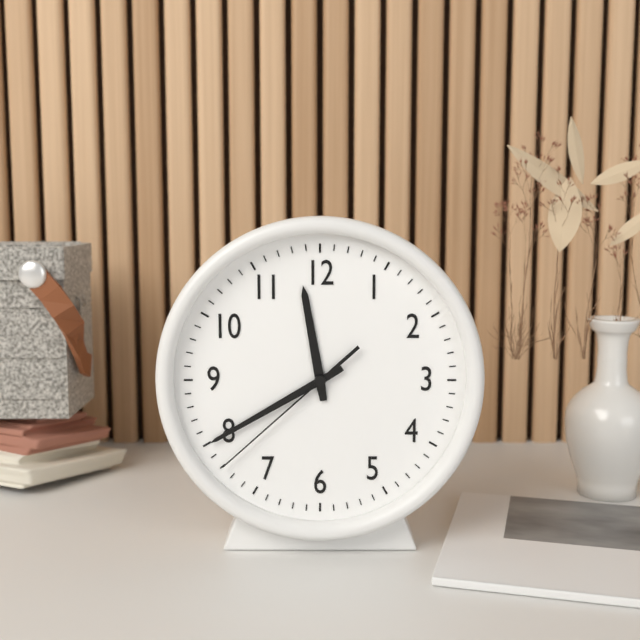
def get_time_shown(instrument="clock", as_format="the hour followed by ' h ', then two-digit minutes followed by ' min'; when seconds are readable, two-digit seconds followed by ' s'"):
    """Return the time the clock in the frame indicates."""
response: 11 h 40 min 38 s
